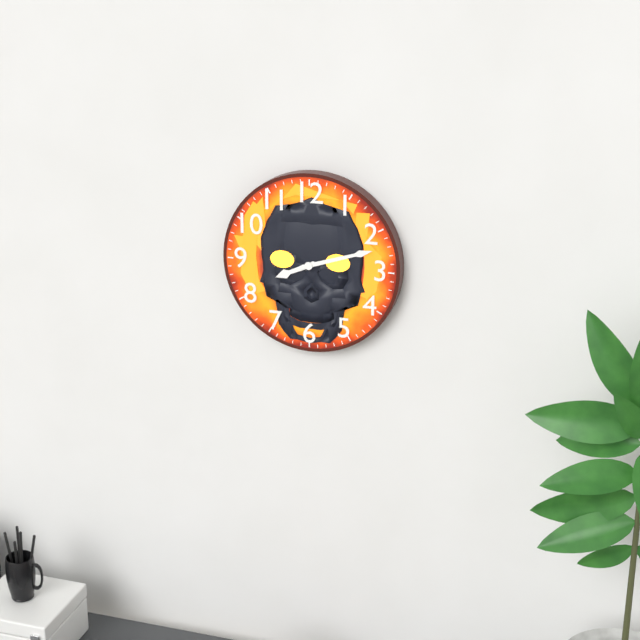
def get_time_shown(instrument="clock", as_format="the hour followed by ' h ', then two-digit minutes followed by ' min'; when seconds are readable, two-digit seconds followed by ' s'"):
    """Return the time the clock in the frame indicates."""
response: 8 h 12 min
